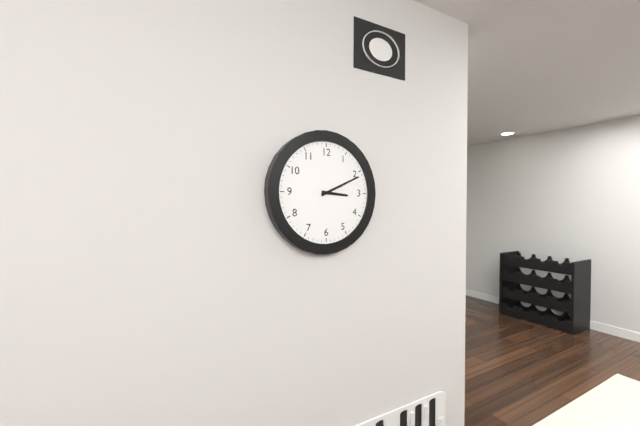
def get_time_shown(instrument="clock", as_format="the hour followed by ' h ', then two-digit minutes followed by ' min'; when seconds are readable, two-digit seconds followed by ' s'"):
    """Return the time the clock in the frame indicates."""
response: 3 h 11 min
